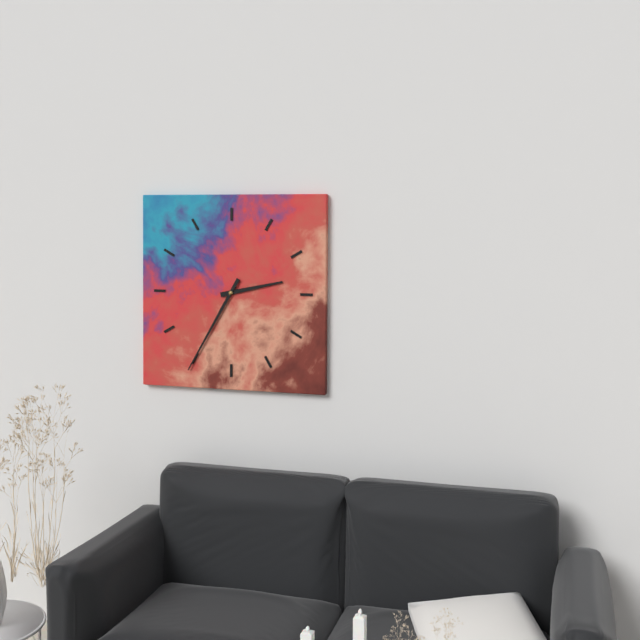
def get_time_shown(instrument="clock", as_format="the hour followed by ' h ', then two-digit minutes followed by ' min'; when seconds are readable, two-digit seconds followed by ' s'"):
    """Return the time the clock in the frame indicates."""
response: 2 h 35 min
